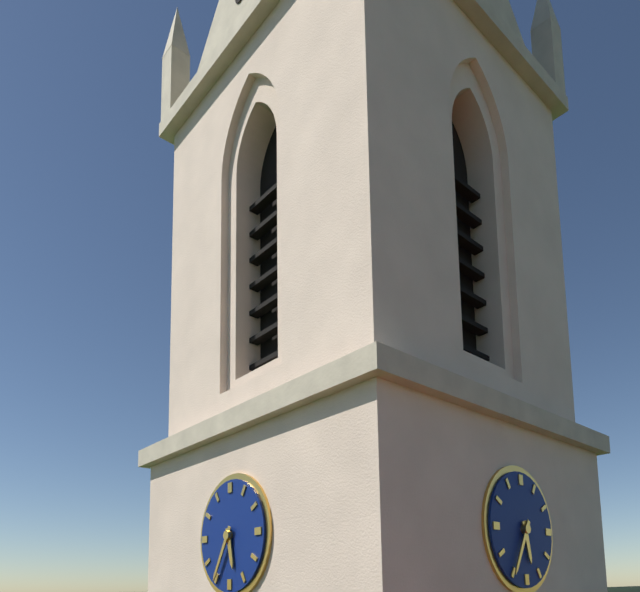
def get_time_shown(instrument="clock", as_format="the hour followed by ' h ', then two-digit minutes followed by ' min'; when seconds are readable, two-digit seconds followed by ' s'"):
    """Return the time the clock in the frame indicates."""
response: 5 h 35 min
